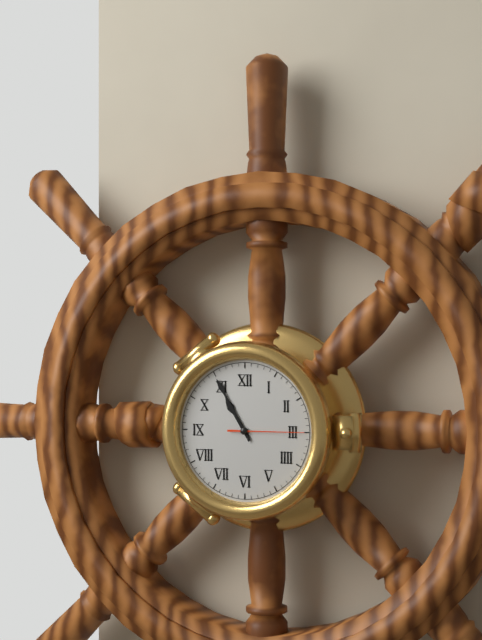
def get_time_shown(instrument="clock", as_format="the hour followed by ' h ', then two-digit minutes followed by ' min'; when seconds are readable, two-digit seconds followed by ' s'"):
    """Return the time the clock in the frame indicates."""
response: 10 h 55 min 15 s
